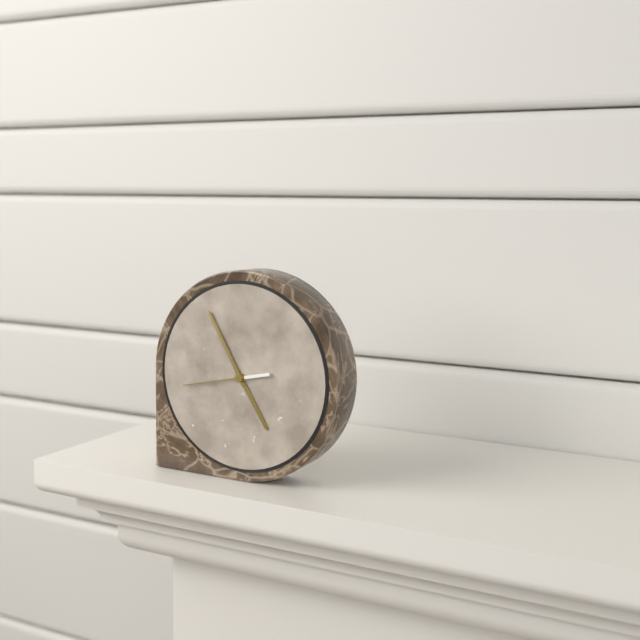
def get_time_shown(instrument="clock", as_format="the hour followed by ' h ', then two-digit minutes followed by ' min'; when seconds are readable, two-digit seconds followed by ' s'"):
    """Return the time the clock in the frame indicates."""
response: 4 h 55 min 43 s
